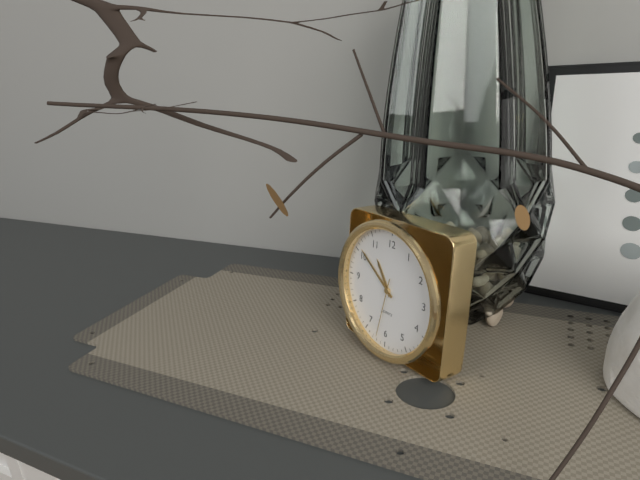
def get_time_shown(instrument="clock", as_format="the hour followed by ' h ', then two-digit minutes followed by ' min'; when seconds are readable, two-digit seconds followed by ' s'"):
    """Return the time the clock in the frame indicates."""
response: 10 h 51 min 32 s
